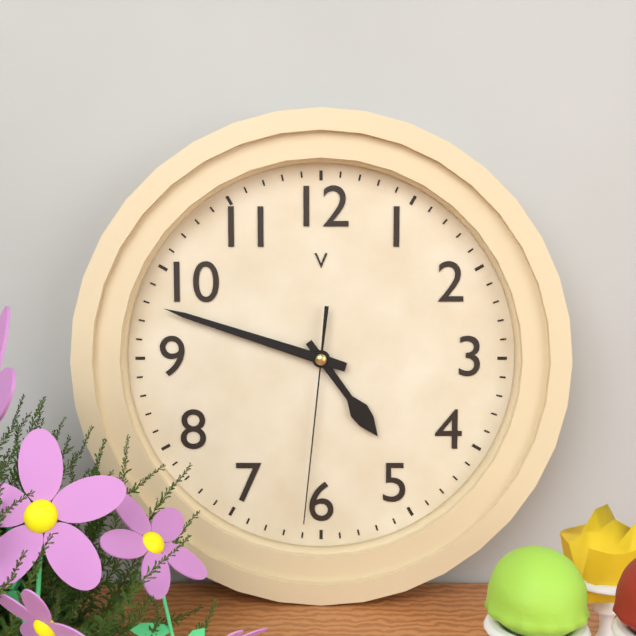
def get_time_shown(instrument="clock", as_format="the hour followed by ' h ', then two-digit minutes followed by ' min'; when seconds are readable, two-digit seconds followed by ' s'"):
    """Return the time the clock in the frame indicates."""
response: 4 h 48 min 31 s
